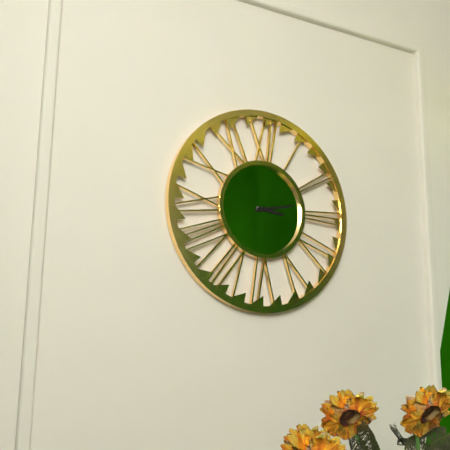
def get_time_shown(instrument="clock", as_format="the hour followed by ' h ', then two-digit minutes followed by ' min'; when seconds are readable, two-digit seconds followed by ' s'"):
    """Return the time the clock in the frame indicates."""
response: 3 h 13 min
